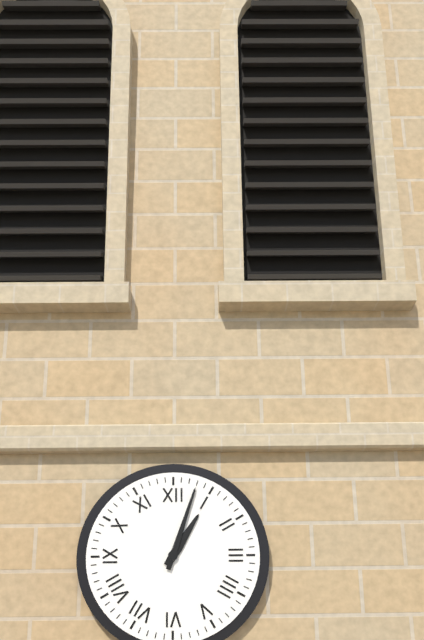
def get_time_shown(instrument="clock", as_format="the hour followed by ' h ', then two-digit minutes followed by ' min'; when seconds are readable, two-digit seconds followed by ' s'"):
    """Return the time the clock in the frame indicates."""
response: 1 h 03 min
